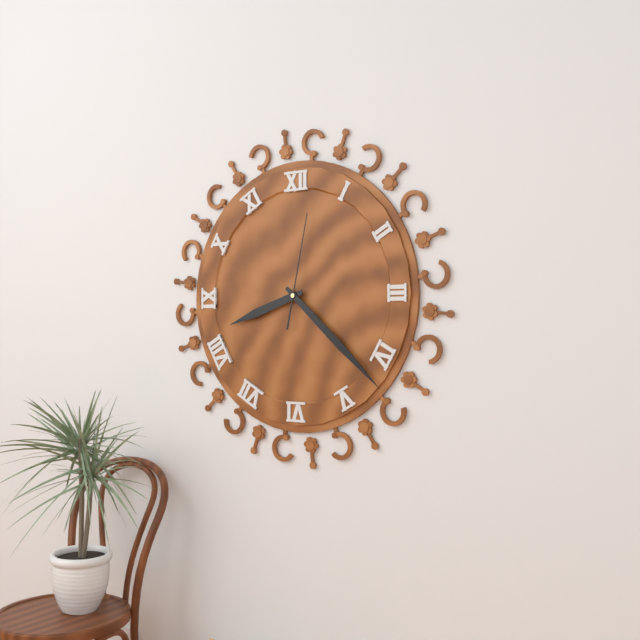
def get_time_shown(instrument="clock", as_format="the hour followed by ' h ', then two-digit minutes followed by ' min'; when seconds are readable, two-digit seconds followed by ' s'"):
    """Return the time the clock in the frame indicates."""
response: 8 h 22 min 02 s
